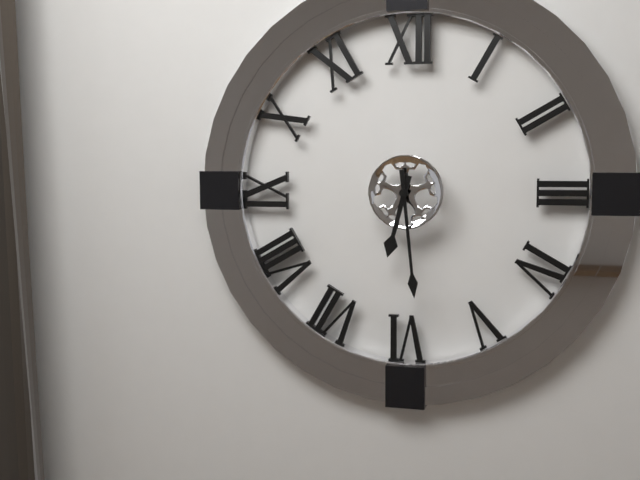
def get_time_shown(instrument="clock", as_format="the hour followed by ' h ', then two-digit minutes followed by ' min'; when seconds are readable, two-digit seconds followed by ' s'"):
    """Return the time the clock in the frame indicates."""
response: 6 h 29 min
